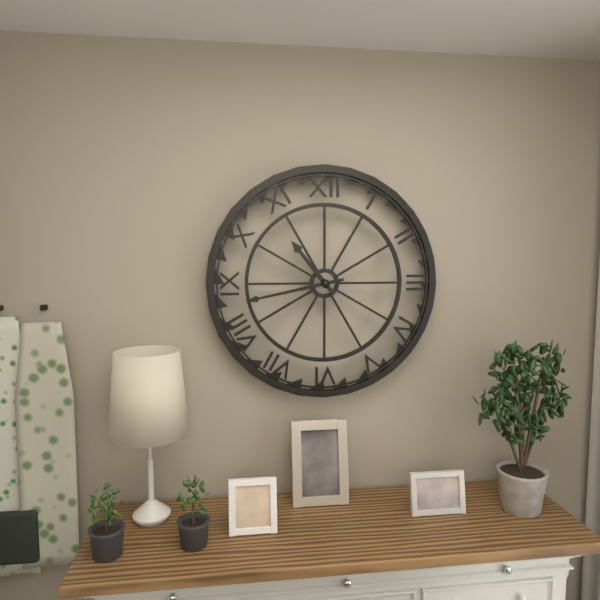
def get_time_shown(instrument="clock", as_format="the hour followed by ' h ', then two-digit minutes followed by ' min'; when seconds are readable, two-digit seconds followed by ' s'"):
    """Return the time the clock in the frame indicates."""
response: 10 h 43 min
